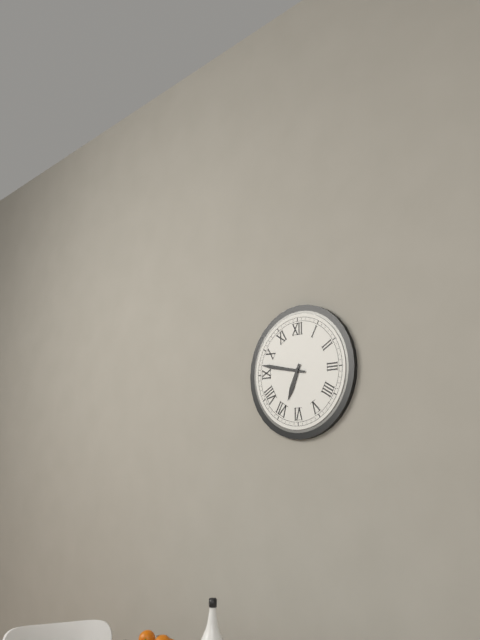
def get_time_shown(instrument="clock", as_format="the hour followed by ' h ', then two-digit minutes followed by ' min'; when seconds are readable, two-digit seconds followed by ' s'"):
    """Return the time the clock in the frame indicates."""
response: 6 h 47 min
